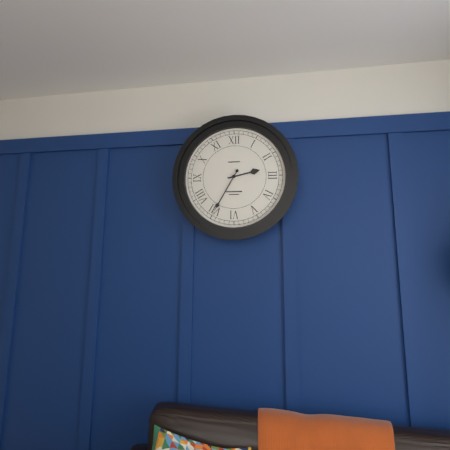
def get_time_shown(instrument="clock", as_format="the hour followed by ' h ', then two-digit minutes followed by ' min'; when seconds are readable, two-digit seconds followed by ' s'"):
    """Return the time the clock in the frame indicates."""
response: 2 h 35 min
